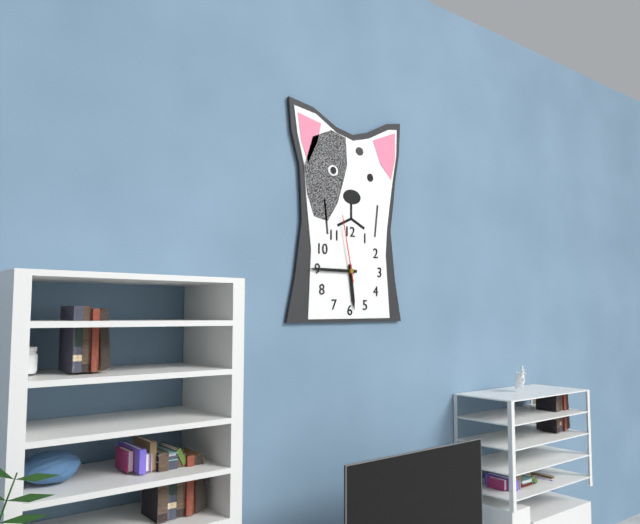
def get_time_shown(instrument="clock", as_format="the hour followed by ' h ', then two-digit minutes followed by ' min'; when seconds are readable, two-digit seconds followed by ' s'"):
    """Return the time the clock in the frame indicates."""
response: 5 h 45 min 58 s
